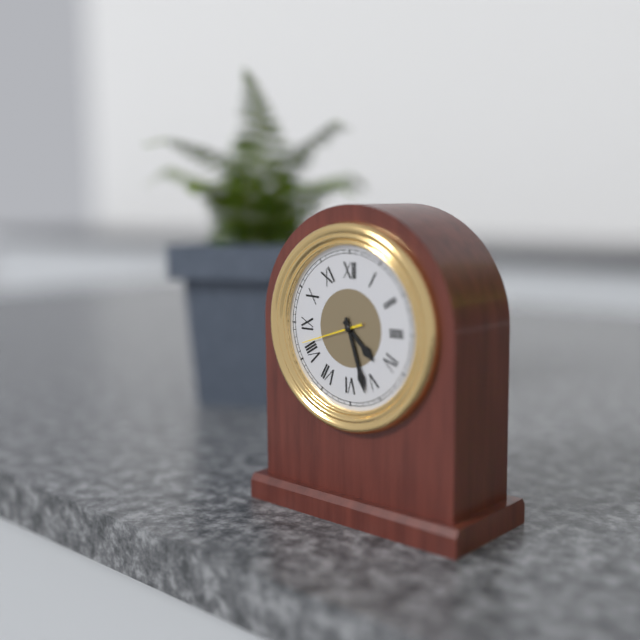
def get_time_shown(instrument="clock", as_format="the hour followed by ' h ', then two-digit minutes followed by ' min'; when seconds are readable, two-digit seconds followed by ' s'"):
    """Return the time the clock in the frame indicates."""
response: 4 h 27 min 42 s
